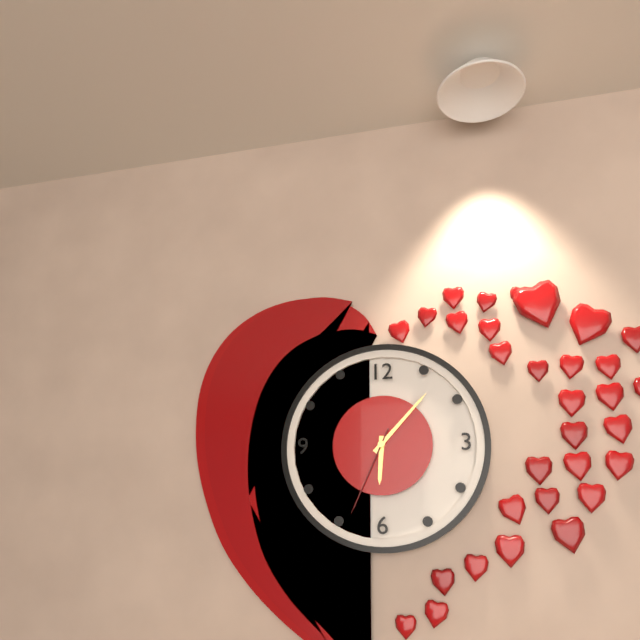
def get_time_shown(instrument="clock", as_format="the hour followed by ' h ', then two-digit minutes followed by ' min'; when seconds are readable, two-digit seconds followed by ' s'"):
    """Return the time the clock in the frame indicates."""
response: 6 h 07 min 34 s
